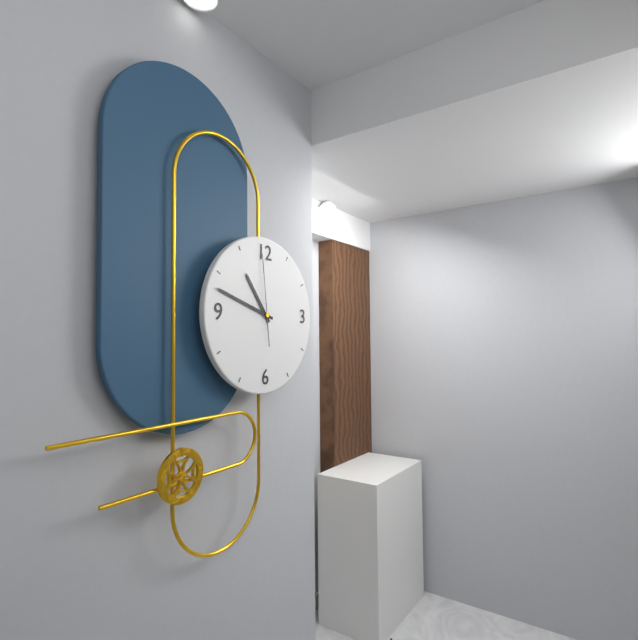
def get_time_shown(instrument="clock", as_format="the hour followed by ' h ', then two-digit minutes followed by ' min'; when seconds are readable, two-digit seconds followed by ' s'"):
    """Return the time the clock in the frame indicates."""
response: 10 h 48 min 59 s
